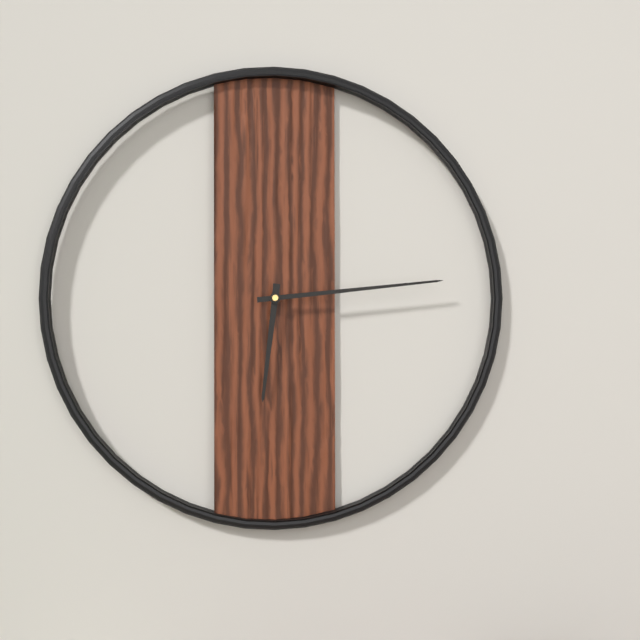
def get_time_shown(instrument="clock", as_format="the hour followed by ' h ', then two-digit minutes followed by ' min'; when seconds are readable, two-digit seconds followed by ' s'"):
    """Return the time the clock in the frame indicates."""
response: 6 h 14 min
